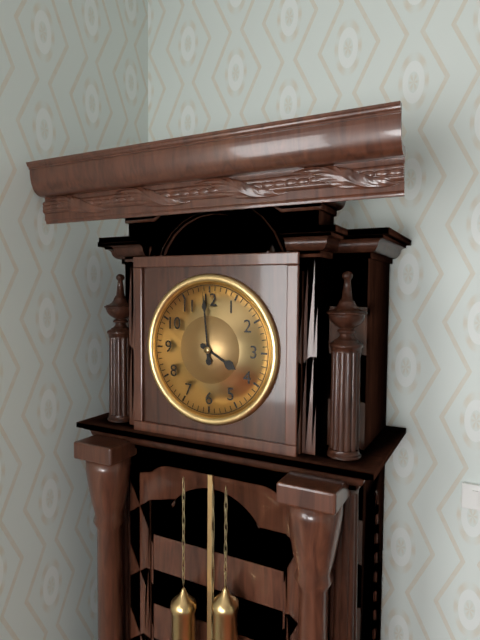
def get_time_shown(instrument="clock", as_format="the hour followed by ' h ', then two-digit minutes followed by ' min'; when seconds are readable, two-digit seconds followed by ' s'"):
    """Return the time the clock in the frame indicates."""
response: 3 h 59 min
